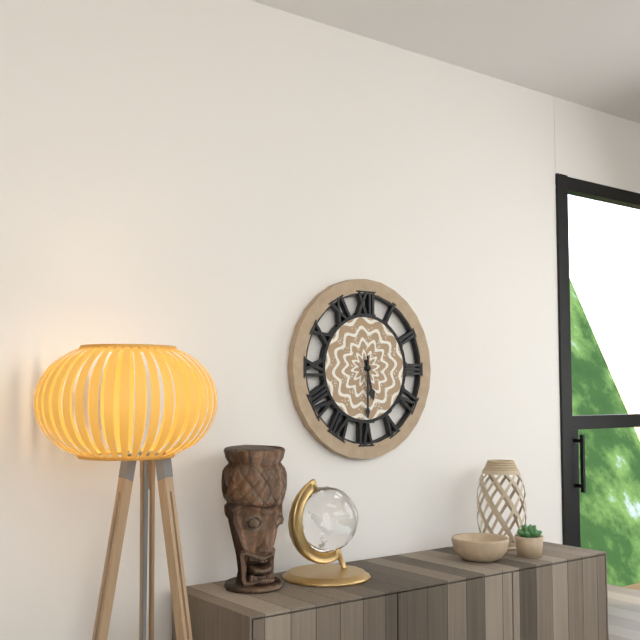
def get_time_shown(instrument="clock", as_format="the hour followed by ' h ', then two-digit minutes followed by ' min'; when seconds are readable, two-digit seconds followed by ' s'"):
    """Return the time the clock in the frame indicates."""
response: 5 h 30 min
